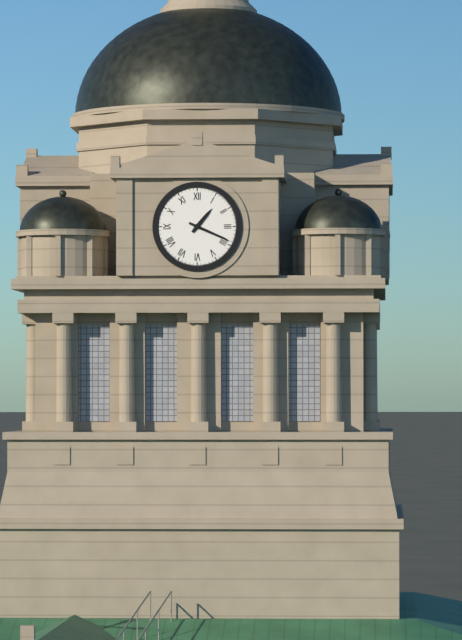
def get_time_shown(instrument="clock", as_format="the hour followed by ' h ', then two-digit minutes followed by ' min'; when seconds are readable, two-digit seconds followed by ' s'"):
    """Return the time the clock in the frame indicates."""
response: 1 h 19 min
